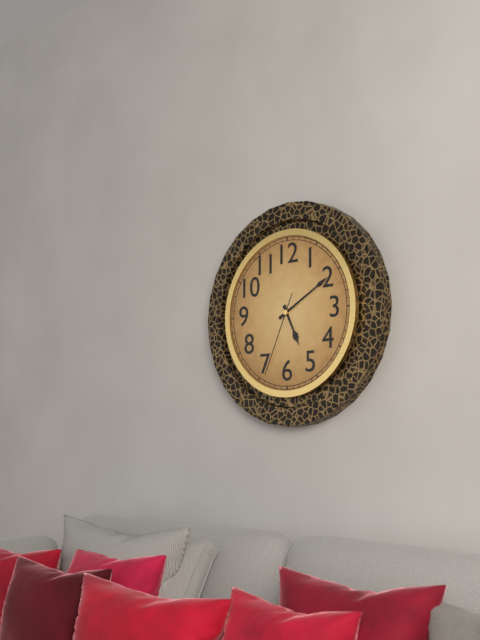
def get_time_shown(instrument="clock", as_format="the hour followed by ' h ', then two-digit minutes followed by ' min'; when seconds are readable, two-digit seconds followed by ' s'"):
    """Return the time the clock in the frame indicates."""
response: 5 h 10 min 34 s
